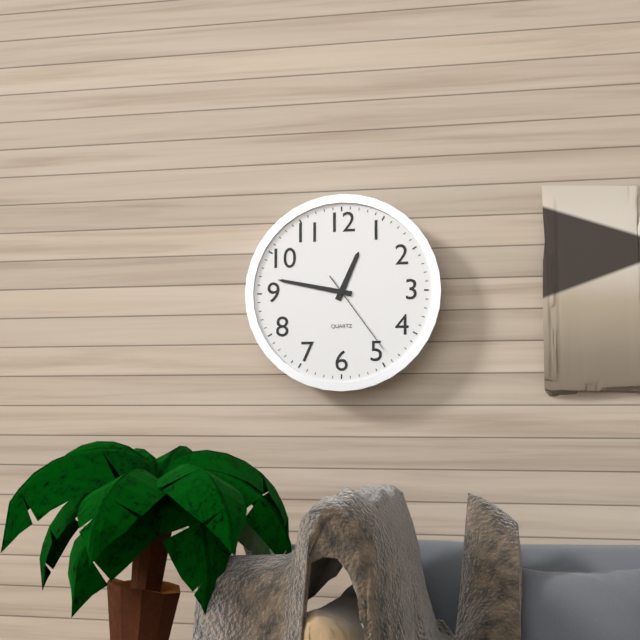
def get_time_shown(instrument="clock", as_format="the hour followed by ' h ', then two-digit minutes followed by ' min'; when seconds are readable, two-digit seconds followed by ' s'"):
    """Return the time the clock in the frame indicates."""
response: 12 h 47 min 24 s
